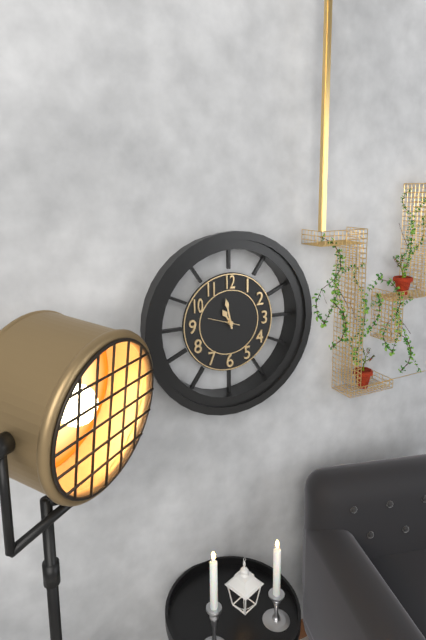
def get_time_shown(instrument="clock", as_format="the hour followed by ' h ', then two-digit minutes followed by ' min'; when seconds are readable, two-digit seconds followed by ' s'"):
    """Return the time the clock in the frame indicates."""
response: 10 h 58 min
